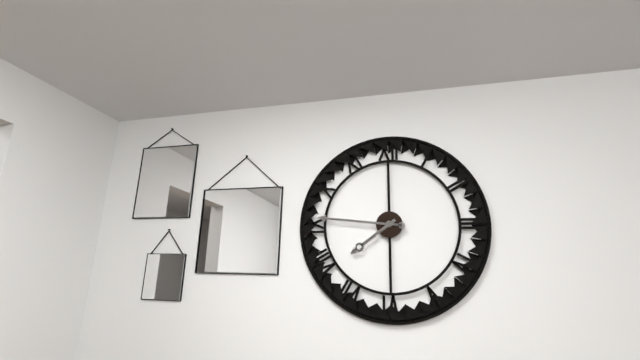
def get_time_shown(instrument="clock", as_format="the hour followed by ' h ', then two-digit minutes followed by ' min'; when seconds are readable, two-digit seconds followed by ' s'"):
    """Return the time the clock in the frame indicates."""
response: 7 h 46 min
